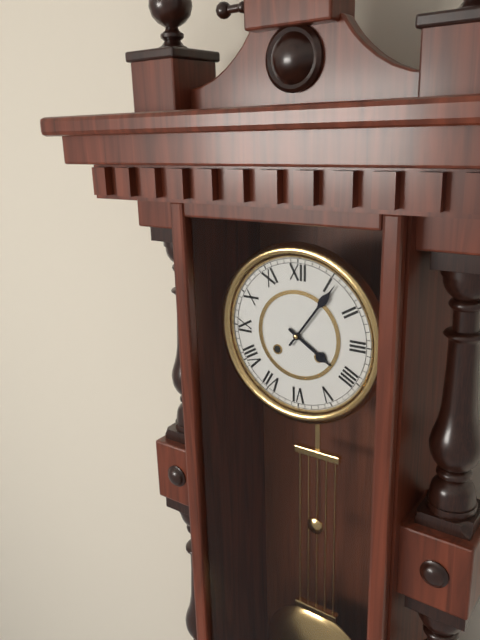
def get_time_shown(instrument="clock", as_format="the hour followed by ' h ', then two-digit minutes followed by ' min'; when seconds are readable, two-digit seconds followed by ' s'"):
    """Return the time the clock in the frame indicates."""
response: 4 h 06 min
